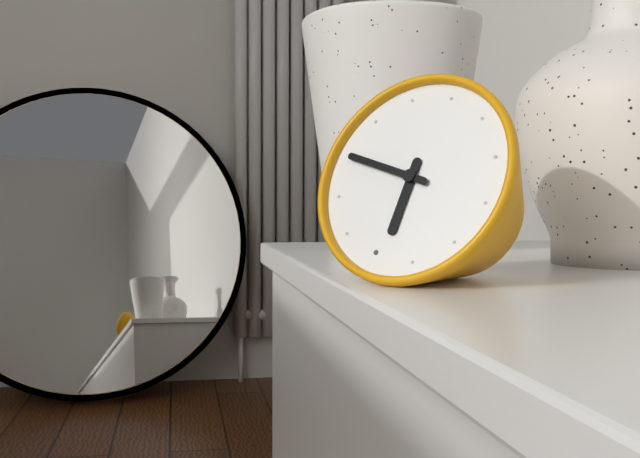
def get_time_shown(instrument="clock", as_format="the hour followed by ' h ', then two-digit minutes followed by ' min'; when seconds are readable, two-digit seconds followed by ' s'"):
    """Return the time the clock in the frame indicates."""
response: 5 h 45 min
